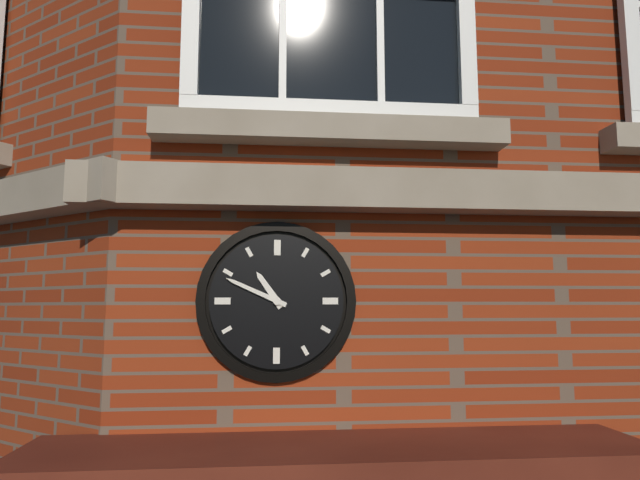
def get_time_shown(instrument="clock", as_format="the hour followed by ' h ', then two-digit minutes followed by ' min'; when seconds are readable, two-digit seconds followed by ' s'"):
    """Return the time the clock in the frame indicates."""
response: 10 h 49 min
